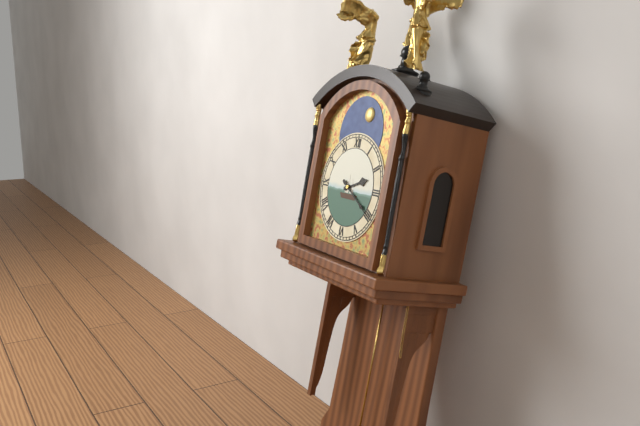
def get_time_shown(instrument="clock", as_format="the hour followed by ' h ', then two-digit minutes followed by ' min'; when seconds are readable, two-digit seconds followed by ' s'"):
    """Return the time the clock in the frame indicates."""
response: 2 h 20 min
